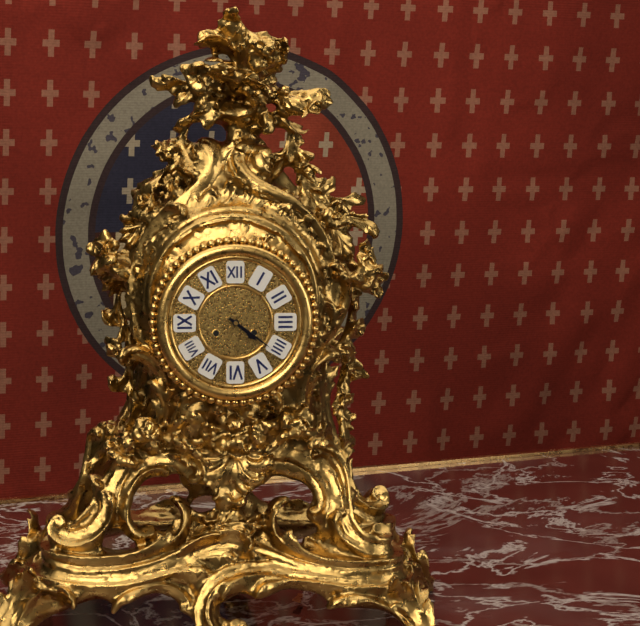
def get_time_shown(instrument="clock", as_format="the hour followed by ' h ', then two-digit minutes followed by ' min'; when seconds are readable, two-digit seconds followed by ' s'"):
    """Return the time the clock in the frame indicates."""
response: 4 h 21 min
